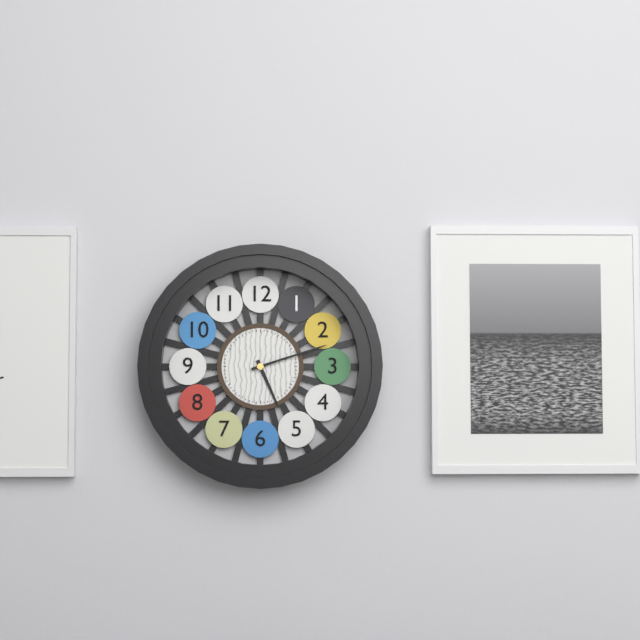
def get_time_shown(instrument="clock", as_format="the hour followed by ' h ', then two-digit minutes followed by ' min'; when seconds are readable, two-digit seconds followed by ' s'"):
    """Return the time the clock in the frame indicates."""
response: 5 h 12 min
